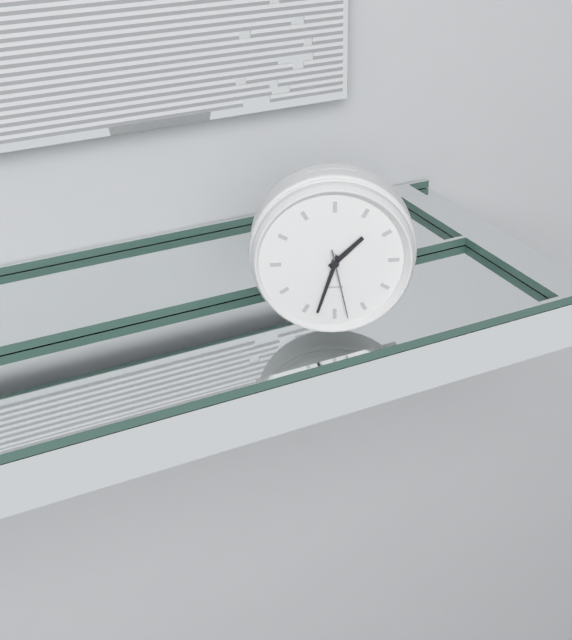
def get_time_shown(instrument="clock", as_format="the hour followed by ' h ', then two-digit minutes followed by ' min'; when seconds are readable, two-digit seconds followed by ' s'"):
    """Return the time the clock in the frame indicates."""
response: 1 h 33 min 28 s
